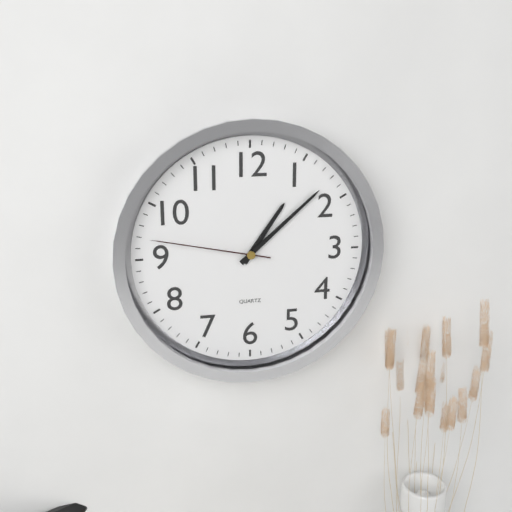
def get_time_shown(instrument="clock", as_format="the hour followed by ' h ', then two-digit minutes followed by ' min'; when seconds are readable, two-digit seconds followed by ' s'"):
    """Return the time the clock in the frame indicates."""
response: 1 h 08 min 47 s
